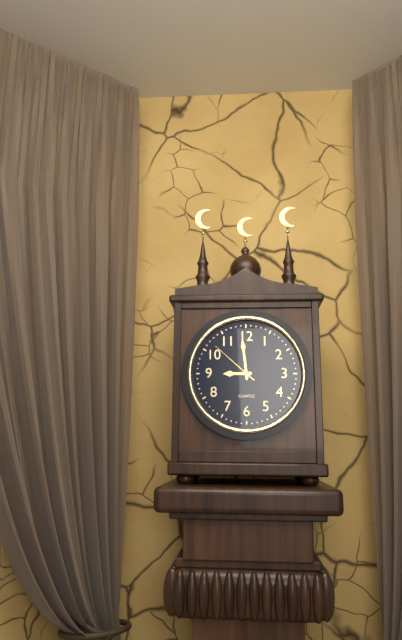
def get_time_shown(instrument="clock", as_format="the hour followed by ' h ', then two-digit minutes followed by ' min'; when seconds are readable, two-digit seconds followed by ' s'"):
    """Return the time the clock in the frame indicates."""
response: 8 h 59 min 52 s
